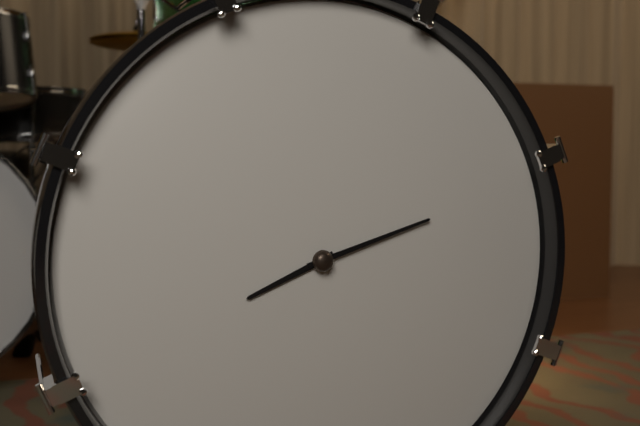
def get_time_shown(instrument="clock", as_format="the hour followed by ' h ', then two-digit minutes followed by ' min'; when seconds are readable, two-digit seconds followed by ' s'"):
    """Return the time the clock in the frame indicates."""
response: 8 h 12 min
